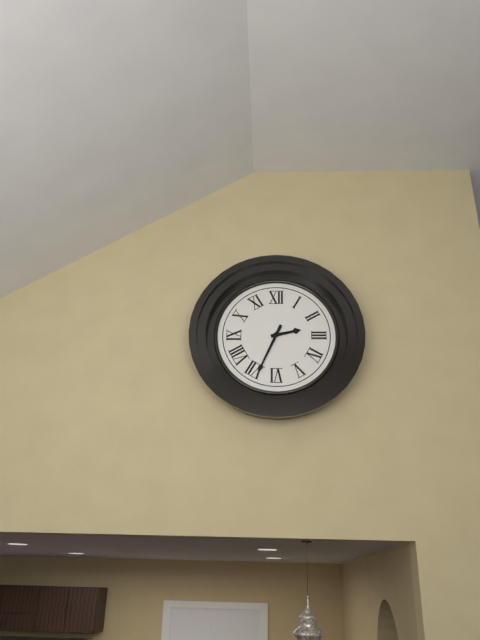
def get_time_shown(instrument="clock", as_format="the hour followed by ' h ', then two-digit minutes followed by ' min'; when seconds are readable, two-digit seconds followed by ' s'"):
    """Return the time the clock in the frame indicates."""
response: 2 h 34 min
